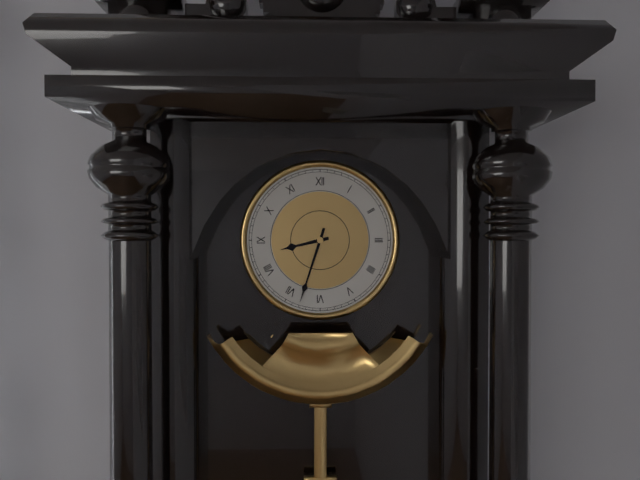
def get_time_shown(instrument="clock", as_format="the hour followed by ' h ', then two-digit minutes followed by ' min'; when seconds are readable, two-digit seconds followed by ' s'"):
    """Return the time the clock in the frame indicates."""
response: 8 h 33 min
